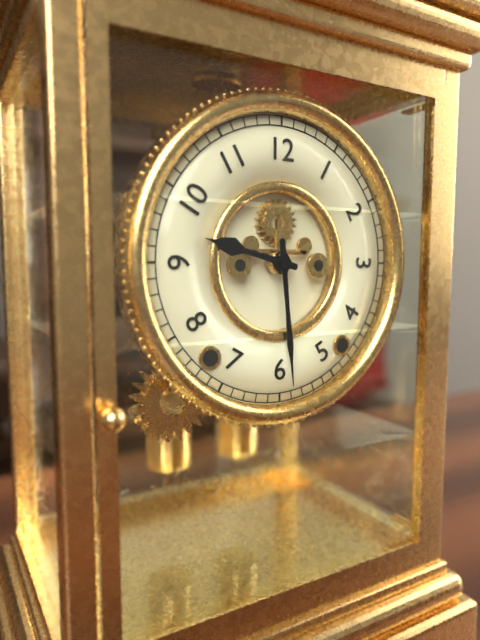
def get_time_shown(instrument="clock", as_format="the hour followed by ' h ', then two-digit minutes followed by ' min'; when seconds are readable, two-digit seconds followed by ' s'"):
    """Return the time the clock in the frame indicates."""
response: 9 h 29 min
